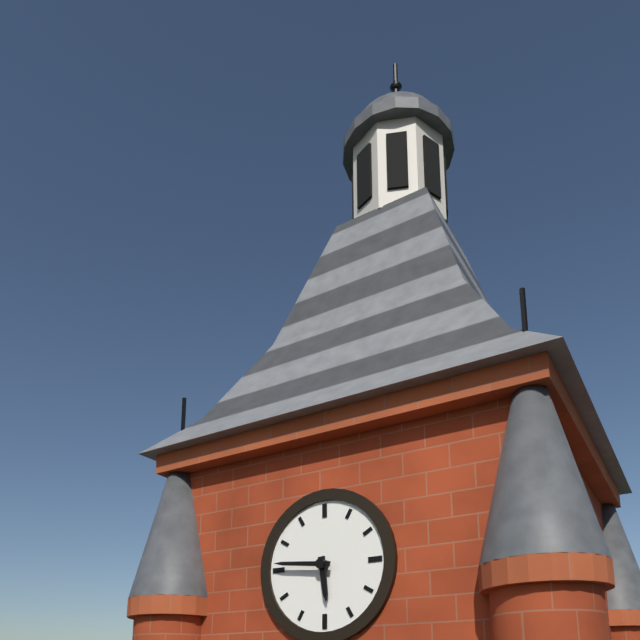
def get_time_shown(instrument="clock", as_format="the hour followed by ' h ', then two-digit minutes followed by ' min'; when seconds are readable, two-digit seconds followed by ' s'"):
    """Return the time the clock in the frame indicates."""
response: 5 h 46 min
